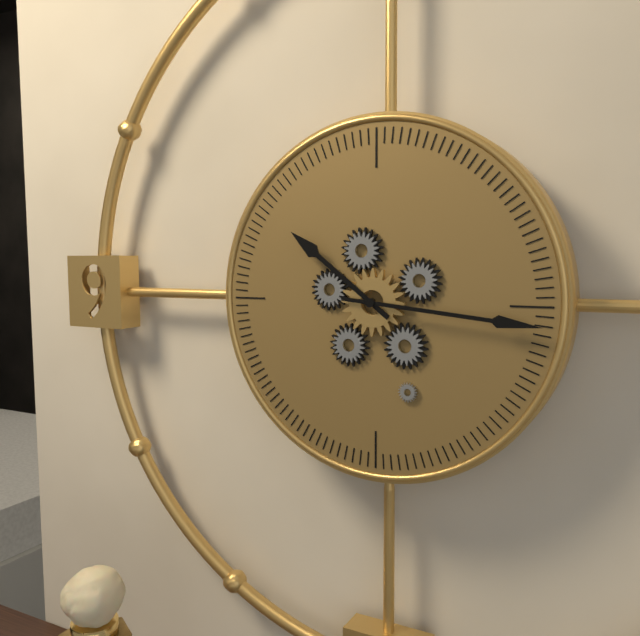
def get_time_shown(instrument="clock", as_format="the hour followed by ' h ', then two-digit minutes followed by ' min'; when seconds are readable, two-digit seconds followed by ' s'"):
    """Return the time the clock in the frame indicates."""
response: 10 h 16 min
